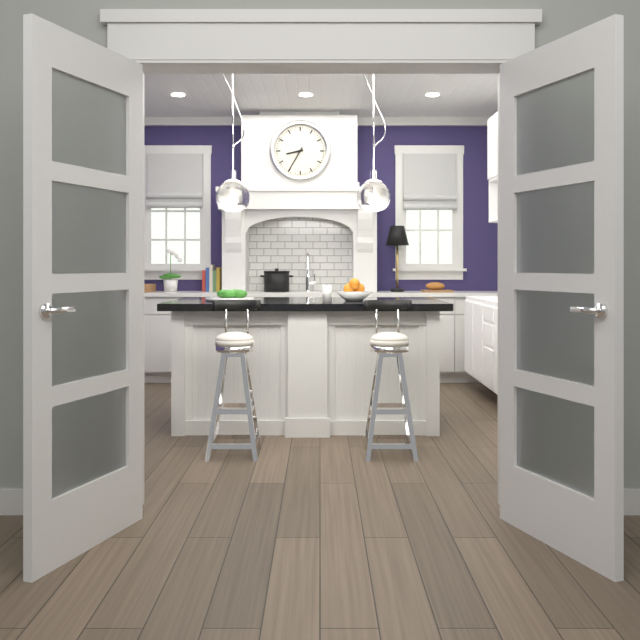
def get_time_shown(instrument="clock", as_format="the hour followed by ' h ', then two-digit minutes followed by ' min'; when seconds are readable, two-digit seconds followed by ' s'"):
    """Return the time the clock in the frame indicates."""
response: 8 h 35 min
